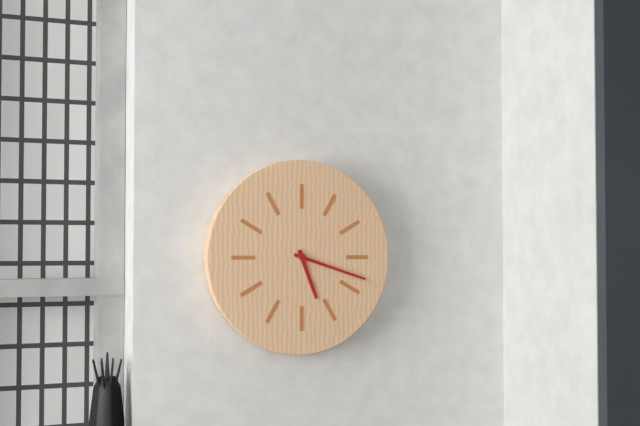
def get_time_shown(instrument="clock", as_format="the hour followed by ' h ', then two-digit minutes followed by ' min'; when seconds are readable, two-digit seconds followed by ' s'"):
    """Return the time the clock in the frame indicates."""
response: 5 h 18 min
